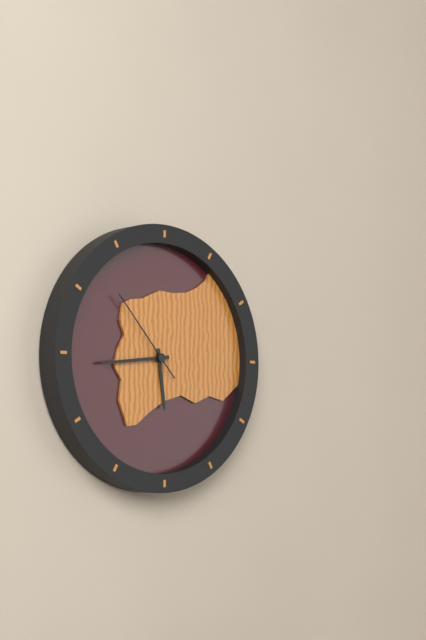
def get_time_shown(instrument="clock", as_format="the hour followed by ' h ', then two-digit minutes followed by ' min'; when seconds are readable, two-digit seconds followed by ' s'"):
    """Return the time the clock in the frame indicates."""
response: 5 h 44 min 53 s
